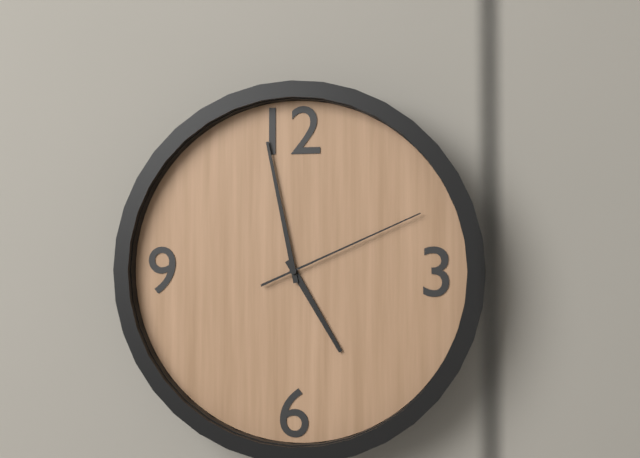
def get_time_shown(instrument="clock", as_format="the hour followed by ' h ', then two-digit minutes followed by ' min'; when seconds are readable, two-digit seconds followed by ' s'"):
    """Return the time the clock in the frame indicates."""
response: 4 h 58 min 11 s
